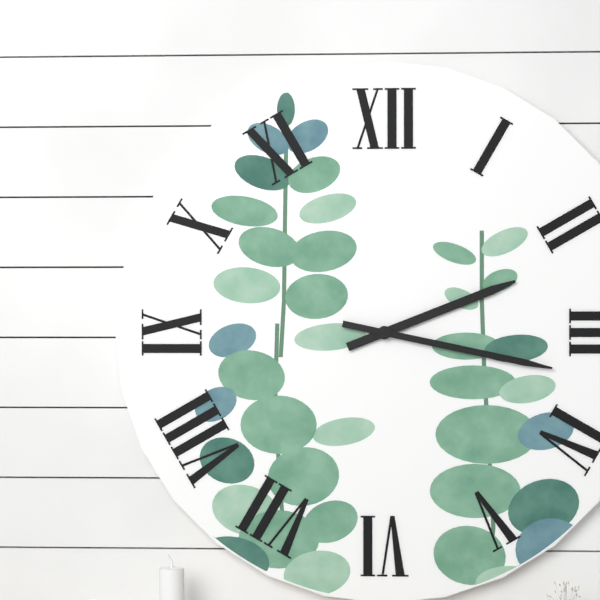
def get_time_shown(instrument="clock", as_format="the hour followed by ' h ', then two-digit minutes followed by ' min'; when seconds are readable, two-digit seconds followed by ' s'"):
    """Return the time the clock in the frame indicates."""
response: 2 h 17 min
